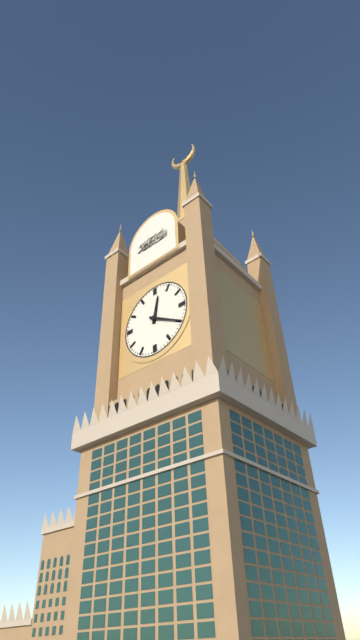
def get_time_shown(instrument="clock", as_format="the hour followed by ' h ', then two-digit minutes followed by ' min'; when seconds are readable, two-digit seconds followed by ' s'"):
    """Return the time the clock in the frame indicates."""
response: 12 h 20 min
